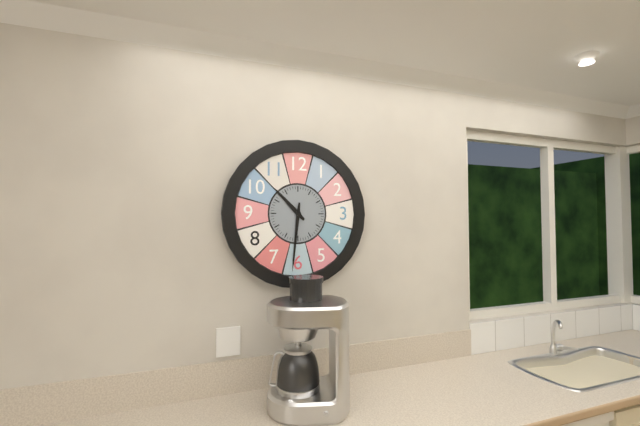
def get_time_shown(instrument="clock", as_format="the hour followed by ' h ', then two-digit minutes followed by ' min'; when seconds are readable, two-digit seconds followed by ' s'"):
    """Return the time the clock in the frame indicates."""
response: 10 h 31 min
